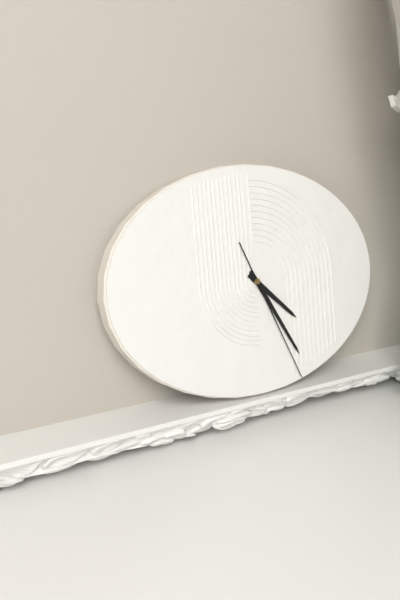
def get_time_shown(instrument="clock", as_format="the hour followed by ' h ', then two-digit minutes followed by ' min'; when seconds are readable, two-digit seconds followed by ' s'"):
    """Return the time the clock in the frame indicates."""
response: 4 h 25 min 26 s
